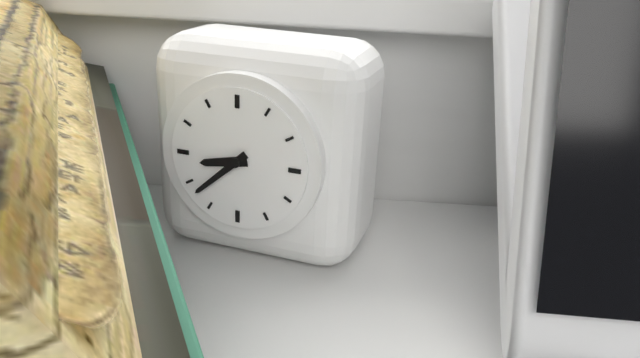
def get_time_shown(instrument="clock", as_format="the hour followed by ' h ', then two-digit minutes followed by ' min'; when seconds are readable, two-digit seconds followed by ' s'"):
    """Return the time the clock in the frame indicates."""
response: 8 h 38 min
